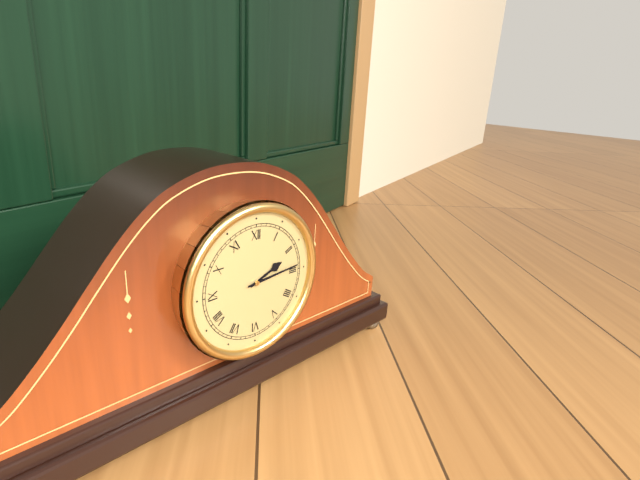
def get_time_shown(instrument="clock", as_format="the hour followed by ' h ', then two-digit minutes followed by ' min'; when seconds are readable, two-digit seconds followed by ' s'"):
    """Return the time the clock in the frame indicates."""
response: 2 h 14 min
